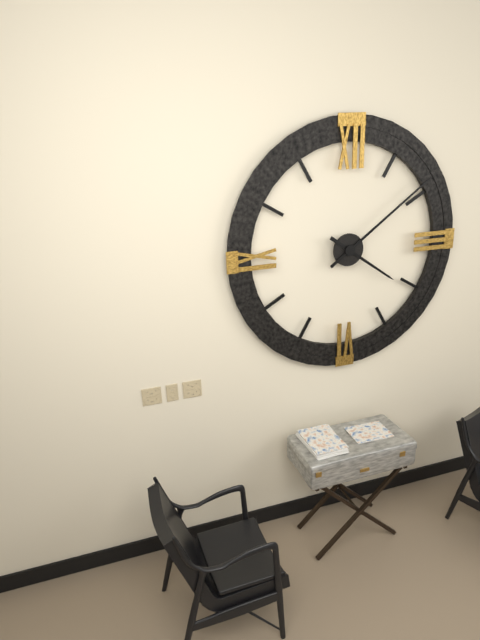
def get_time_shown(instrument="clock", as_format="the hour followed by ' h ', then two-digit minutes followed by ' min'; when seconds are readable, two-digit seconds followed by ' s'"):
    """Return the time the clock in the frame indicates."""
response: 4 h 09 min
